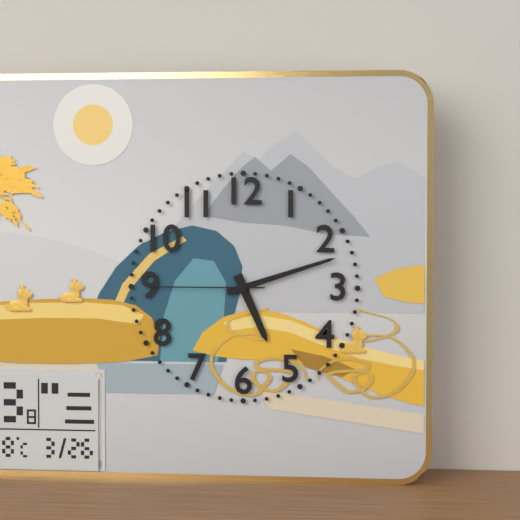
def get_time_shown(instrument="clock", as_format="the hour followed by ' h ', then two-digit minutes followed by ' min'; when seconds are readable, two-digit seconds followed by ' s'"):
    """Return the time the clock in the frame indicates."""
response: 5 h 12 min 45 s
